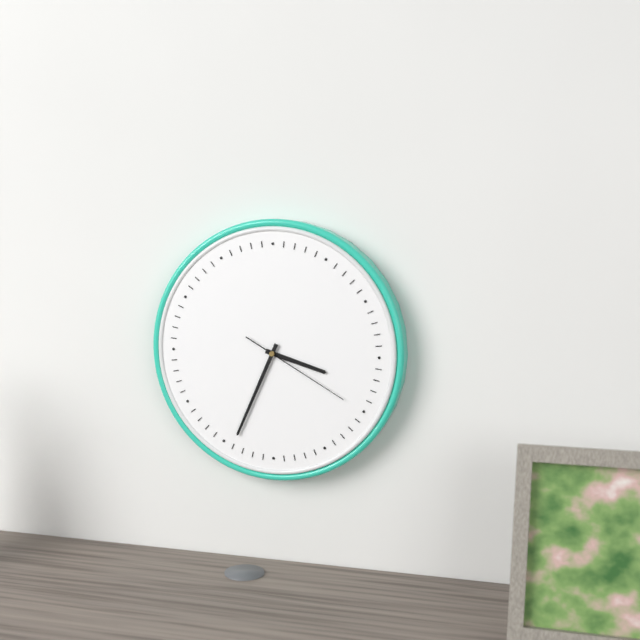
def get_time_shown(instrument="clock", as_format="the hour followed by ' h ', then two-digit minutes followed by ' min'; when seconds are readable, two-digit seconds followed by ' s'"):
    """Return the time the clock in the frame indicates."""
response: 3 h 34 min 20 s
